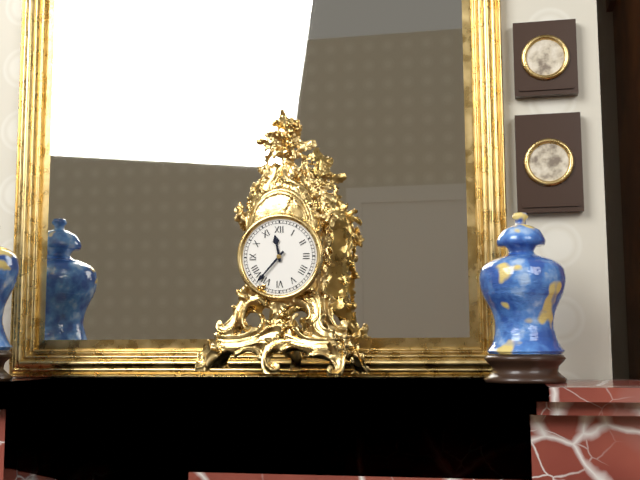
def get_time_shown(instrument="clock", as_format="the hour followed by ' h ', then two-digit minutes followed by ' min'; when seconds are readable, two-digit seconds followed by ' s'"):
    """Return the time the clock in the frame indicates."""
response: 11 h 37 min
